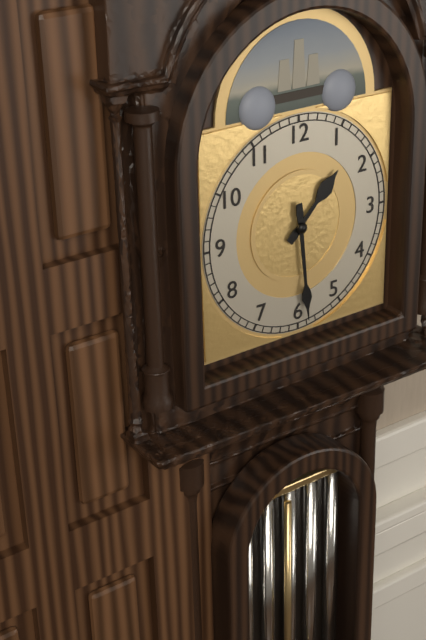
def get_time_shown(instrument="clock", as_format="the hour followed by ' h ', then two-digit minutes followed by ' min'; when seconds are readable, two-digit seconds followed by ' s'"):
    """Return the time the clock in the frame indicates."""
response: 1 h 29 min
